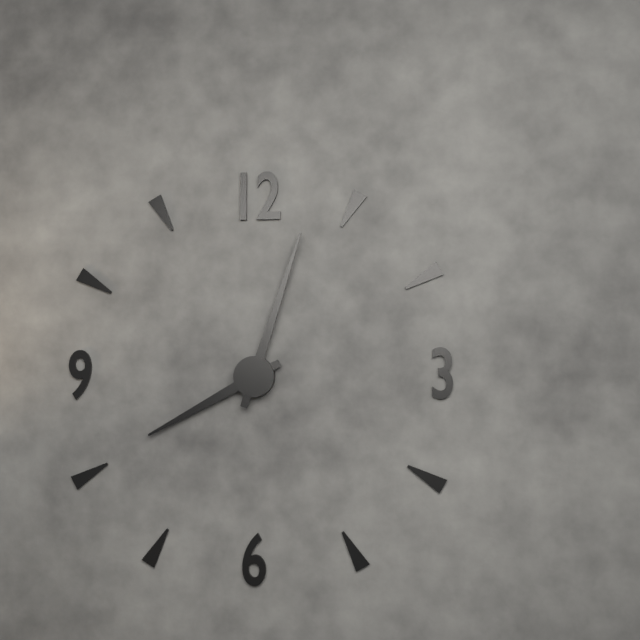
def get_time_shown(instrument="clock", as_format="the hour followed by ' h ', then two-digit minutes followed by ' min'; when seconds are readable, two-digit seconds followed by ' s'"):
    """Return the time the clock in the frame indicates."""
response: 8 h 03 min
